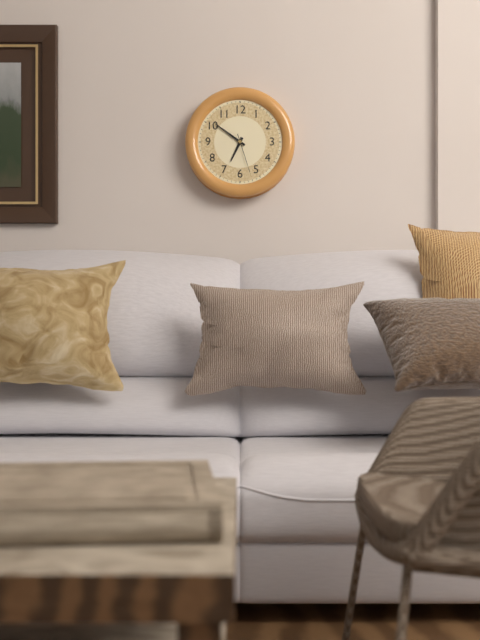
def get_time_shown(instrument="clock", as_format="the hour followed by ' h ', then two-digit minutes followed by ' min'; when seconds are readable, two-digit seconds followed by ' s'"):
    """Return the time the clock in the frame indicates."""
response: 6 h 51 min
